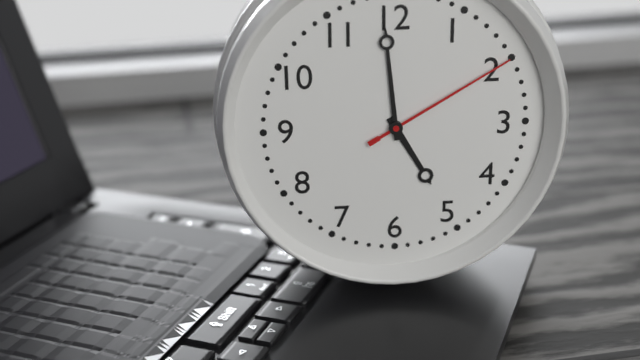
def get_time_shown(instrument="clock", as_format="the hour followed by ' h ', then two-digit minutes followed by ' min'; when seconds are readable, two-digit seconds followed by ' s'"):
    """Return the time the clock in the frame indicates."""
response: 4 h 59 min 10 s
